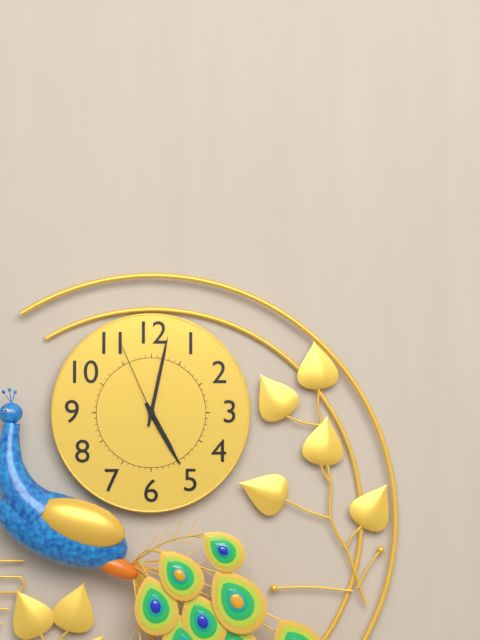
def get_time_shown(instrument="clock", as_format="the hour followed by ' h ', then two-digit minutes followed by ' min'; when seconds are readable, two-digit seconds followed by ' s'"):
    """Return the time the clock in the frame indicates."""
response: 5 h 02 min 56 s
